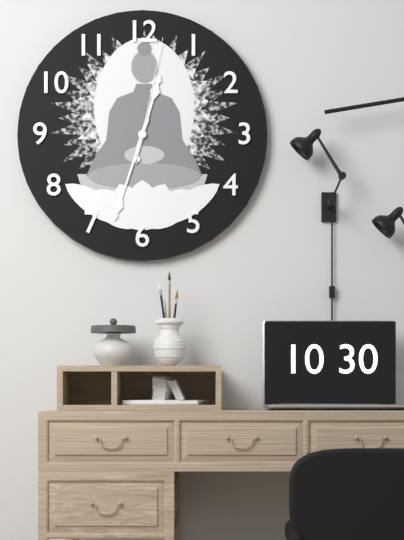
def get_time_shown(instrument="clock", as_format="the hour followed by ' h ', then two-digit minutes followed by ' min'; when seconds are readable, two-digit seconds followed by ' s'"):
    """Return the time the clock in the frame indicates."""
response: 12 h 33 min 02 s
